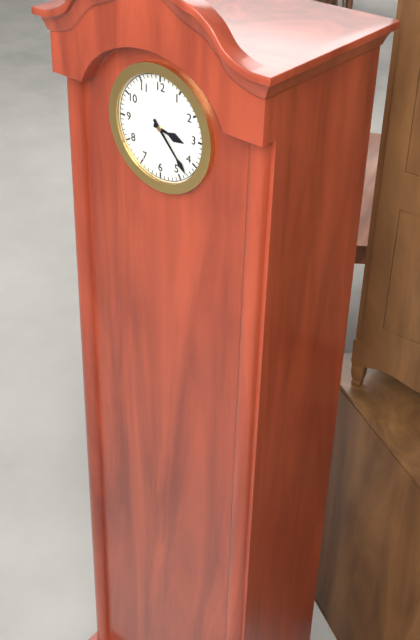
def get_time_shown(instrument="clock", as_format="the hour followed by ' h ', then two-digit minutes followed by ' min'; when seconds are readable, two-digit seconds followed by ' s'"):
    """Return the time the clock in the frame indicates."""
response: 3 h 23 min
